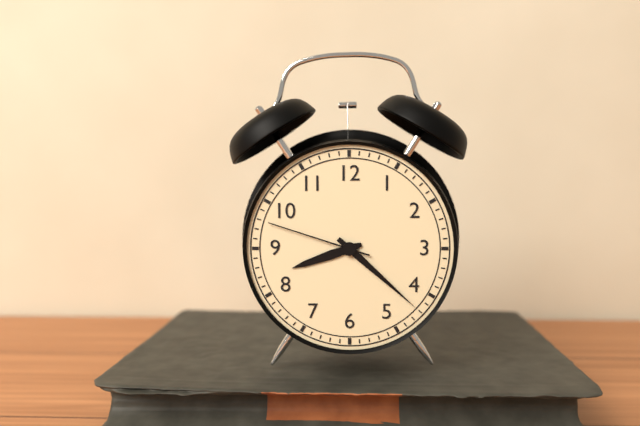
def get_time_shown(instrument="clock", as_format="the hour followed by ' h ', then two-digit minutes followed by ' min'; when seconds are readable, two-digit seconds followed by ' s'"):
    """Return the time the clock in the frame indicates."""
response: 8 h 22 min 48 s
